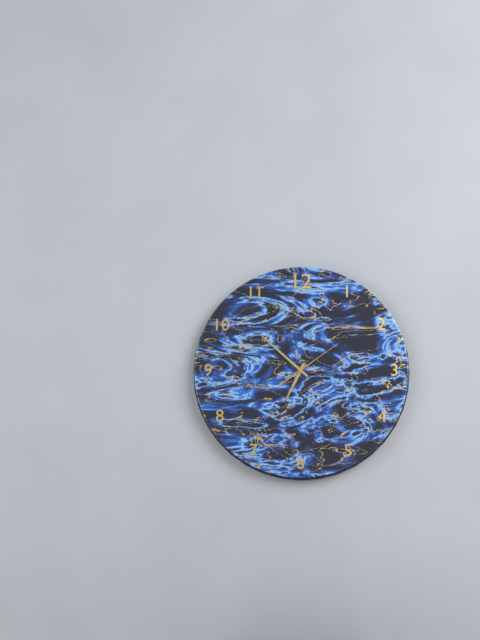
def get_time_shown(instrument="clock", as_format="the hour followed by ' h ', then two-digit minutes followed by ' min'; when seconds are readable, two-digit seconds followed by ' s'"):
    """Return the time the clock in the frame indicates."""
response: 6 h 52 min 09 s
